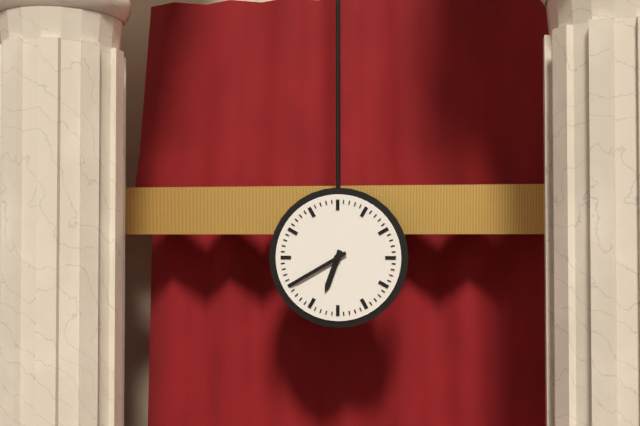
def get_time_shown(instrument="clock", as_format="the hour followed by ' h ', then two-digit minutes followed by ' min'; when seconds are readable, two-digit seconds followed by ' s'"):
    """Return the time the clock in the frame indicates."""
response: 6 h 40 min
